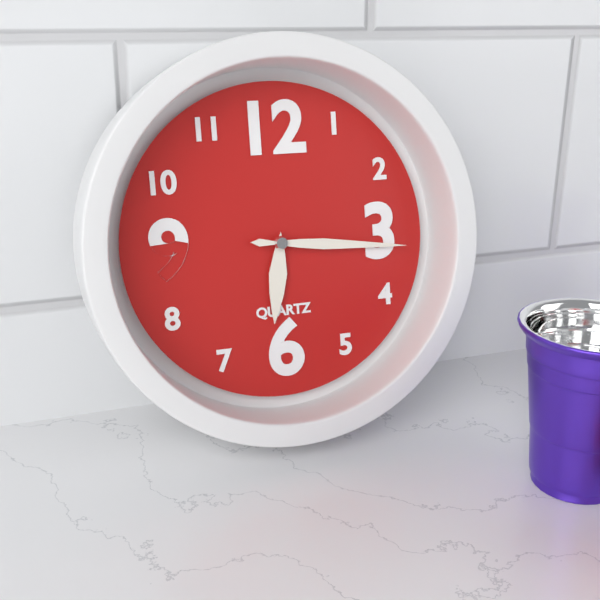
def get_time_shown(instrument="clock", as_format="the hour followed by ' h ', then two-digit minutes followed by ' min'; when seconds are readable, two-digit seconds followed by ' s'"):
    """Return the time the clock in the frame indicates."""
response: 6 h 16 min
